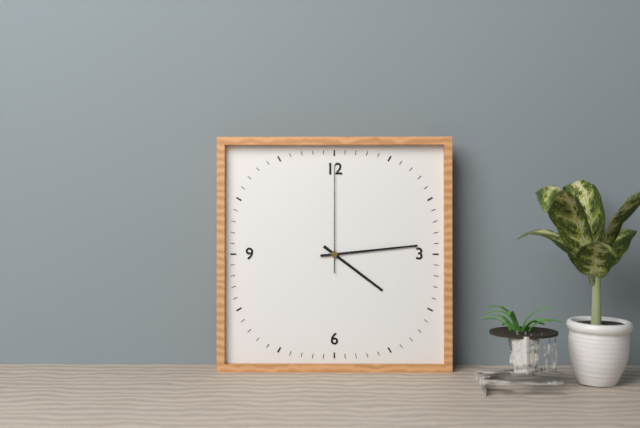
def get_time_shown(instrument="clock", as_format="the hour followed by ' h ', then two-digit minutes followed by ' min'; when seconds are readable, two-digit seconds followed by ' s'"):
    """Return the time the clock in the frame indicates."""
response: 4 h 14 min 00 s
